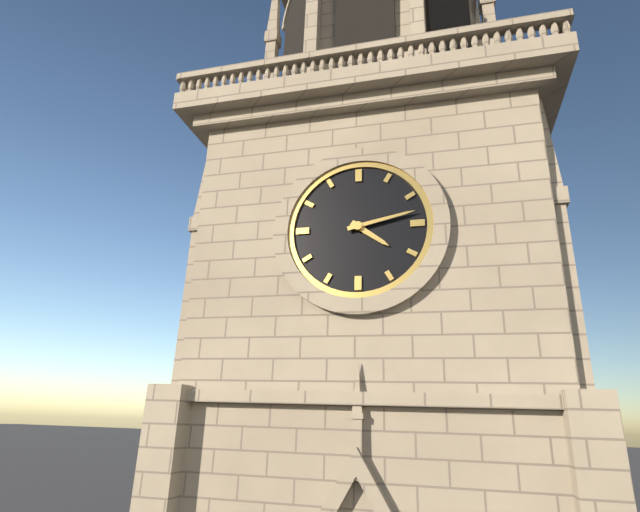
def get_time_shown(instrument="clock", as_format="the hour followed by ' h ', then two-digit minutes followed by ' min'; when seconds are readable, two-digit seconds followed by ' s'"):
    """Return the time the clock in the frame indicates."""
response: 4 h 13 min
